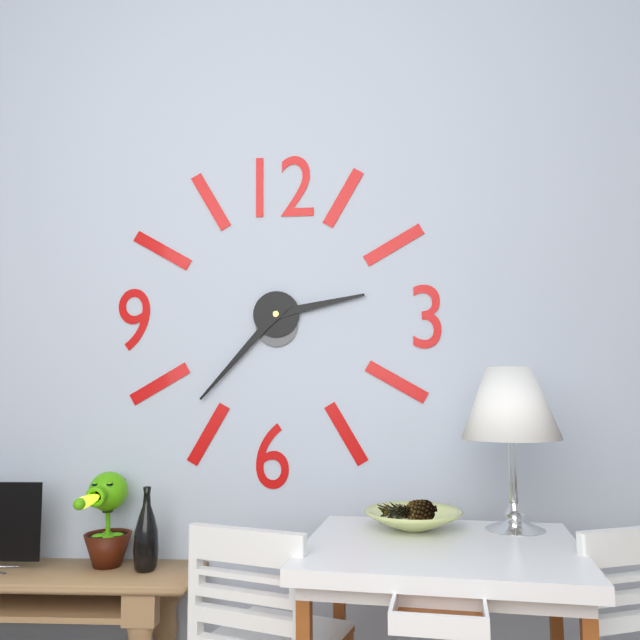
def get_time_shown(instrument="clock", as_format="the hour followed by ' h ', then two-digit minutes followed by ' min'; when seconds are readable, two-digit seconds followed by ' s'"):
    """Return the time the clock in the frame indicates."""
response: 2 h 37 min
